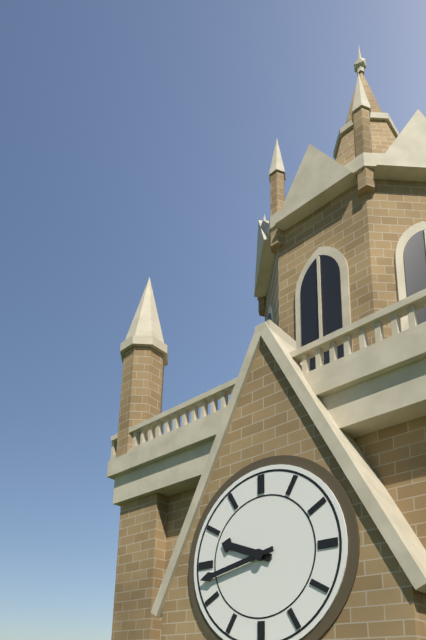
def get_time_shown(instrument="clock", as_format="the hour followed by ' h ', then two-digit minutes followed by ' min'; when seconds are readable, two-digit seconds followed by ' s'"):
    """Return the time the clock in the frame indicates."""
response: 9 h 43 min
